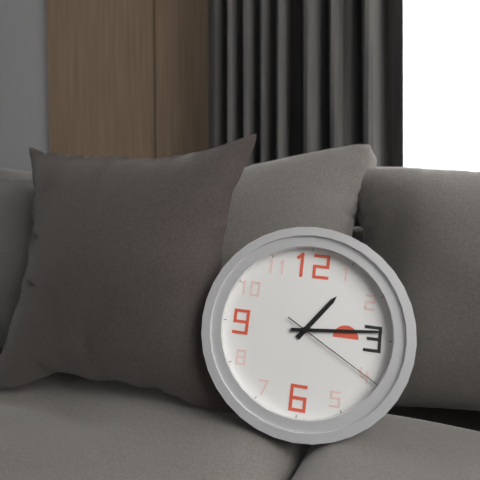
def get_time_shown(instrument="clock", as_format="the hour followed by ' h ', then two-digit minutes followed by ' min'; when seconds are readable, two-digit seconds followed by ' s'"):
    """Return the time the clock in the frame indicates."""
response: 1 h 14 min 20 s
